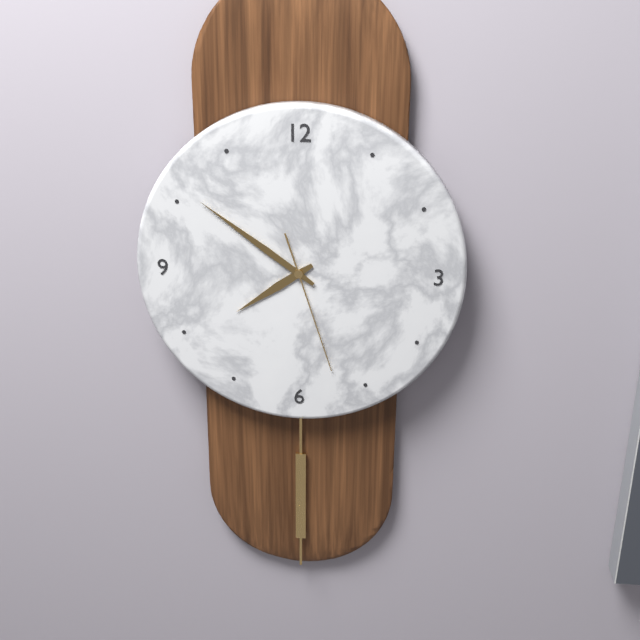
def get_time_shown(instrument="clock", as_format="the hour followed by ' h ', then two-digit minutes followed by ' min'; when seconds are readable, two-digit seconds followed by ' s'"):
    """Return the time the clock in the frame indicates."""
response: 7 h 51 min 27 s
